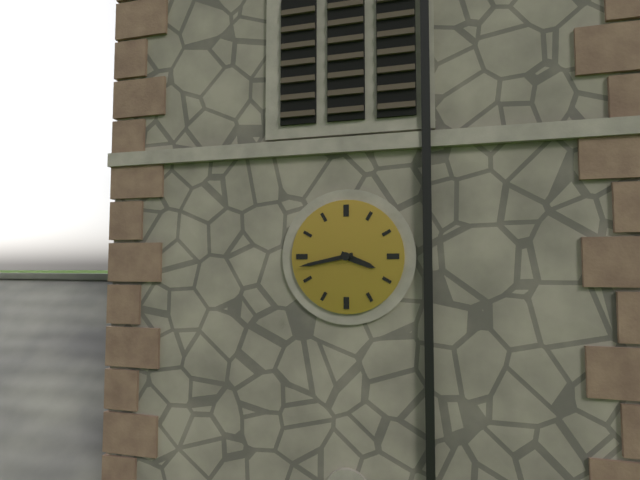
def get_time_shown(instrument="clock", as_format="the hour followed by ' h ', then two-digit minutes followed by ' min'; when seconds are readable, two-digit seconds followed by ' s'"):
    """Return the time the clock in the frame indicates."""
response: 3 h 43 min
